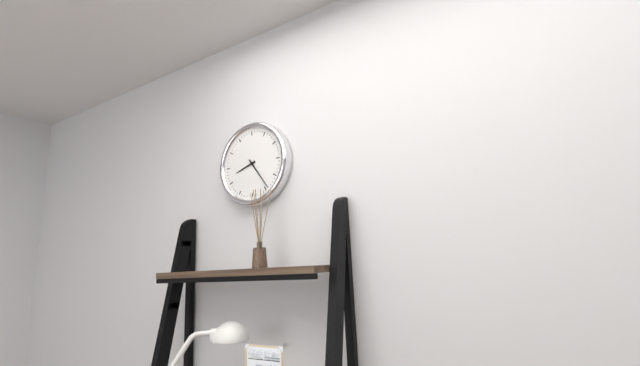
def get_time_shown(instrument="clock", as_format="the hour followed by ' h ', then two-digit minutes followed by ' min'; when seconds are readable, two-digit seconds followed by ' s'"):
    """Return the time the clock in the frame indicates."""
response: 8 h 24 min
